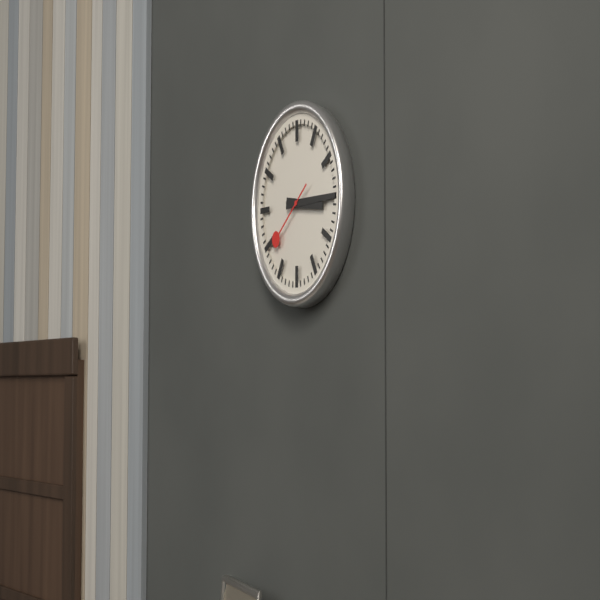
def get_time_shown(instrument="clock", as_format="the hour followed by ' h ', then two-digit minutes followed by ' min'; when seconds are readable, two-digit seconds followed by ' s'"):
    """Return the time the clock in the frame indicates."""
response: 3 h 15 min 39 s
